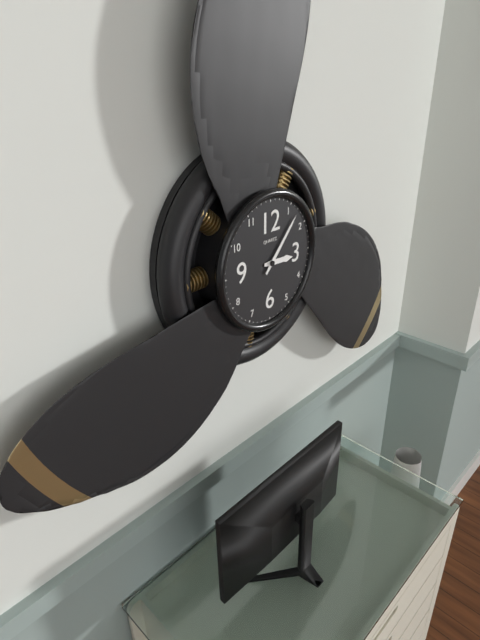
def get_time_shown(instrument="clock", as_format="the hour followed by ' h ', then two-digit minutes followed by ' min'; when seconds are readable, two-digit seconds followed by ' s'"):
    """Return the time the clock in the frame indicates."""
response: 3 h 07 min
